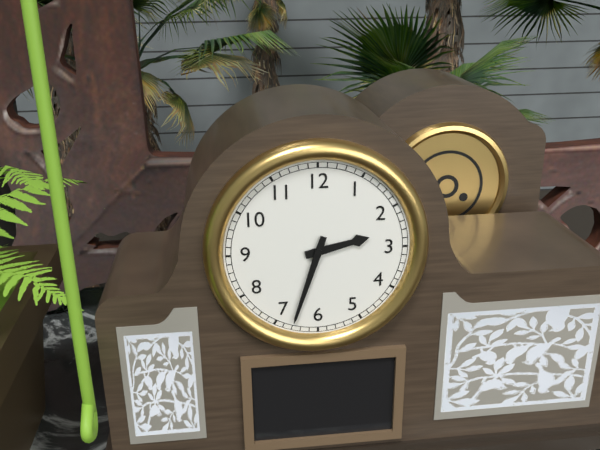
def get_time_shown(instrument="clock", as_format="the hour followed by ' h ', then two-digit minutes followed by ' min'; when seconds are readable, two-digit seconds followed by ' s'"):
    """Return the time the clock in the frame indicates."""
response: 2 h 33 min
